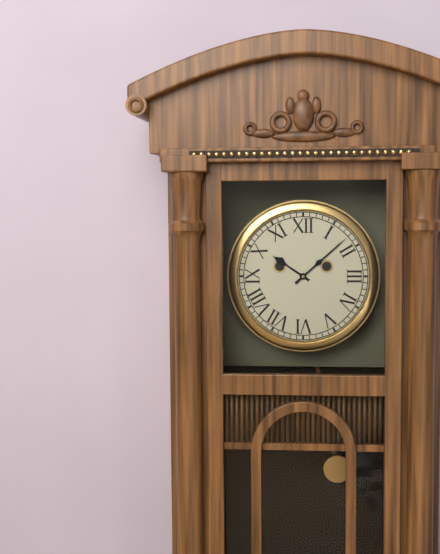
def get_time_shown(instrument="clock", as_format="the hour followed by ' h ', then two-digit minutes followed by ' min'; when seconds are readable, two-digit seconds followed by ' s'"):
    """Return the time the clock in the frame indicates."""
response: 10 h 08 min
